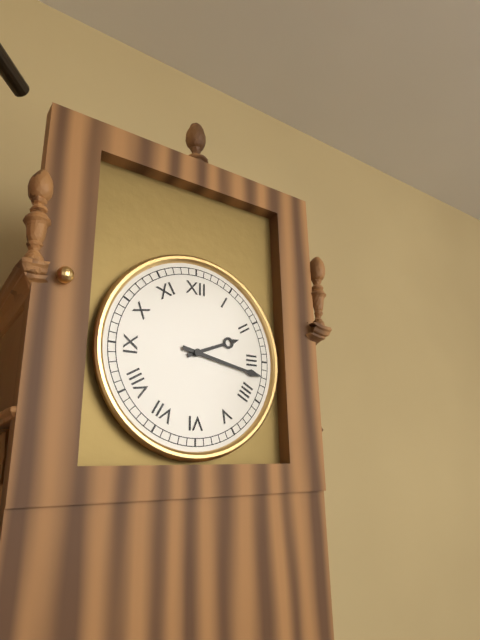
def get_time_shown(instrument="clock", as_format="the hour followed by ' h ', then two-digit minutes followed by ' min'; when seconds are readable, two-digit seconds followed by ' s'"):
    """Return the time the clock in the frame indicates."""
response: 2 h 17 min
